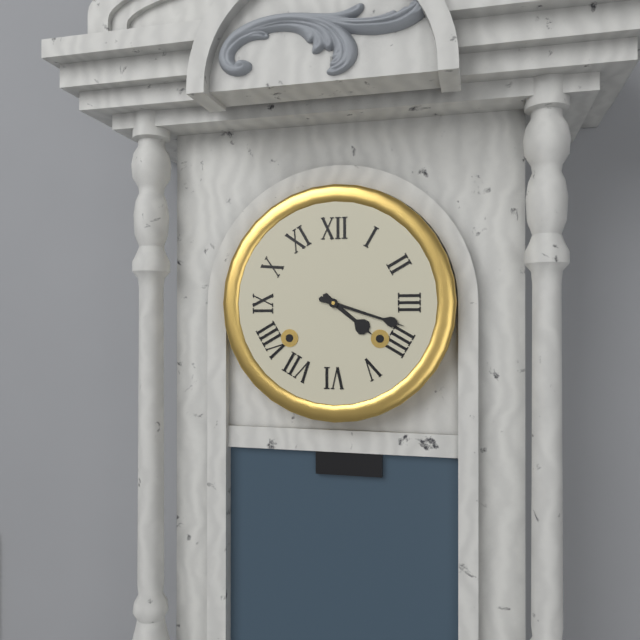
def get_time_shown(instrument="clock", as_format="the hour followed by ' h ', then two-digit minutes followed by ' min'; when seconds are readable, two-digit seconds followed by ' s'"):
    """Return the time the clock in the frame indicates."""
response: 4 h 18 min
